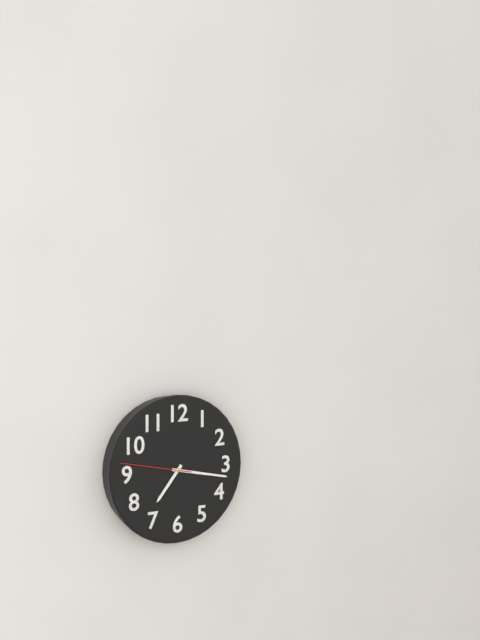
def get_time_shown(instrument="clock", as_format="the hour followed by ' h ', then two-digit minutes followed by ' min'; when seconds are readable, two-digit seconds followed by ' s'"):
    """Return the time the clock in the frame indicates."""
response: 7 h 17 min 47 s
